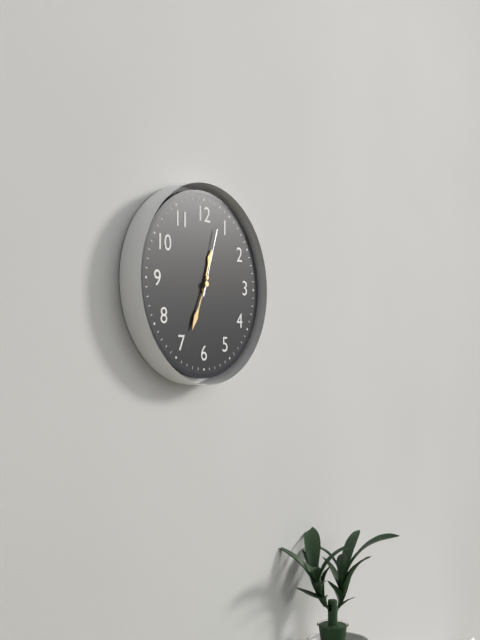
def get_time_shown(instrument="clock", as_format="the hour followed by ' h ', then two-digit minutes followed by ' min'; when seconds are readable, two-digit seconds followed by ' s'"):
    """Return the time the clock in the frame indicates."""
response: 12 h 34 min 03 s
